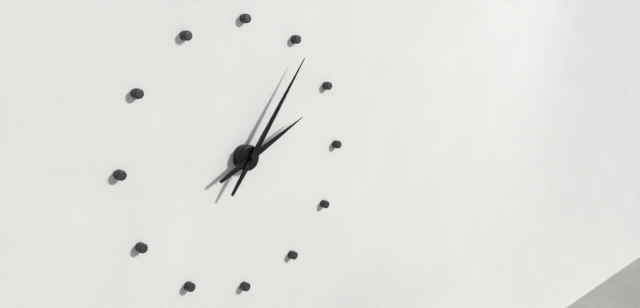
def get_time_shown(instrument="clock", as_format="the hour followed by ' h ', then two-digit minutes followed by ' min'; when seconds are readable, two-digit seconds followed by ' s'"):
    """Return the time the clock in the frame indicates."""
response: 2 h 06 min
